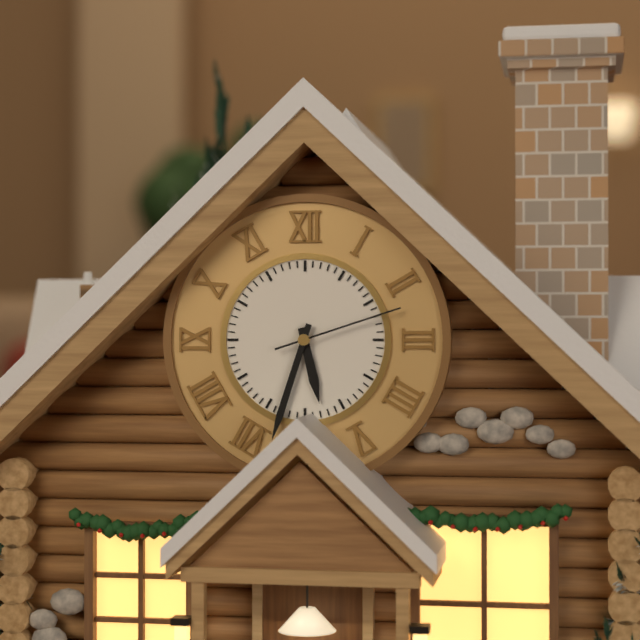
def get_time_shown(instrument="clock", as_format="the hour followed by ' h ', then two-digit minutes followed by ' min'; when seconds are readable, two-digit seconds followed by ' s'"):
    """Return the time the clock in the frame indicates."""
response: 5 h 33 min 12 s
